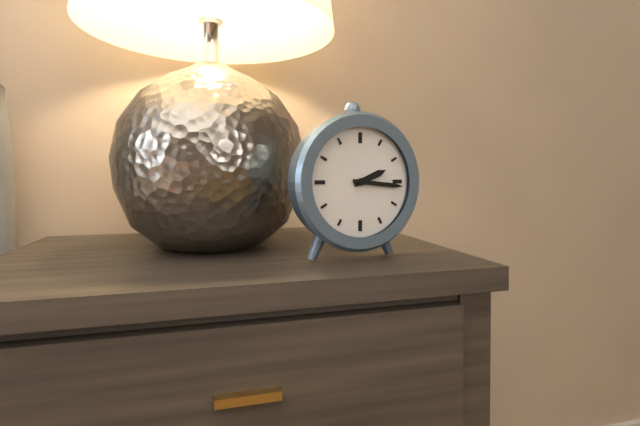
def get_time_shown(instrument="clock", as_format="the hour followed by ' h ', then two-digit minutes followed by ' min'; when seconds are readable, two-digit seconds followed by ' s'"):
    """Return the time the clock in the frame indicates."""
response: 2 h 16 min
